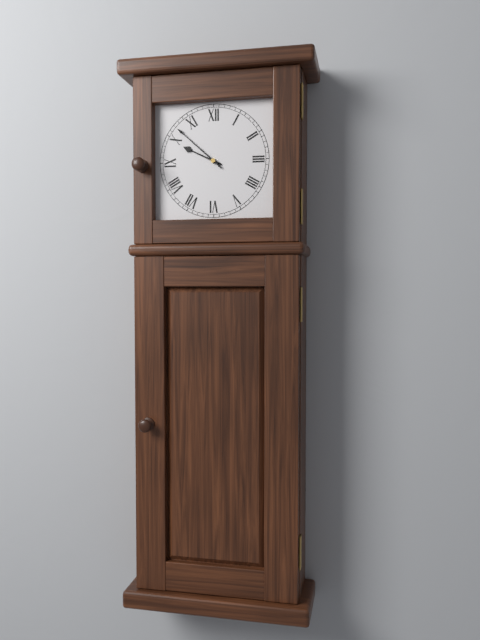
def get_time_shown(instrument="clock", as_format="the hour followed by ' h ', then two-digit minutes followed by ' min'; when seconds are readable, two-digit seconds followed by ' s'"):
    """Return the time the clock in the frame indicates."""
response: 9 h 52 min
